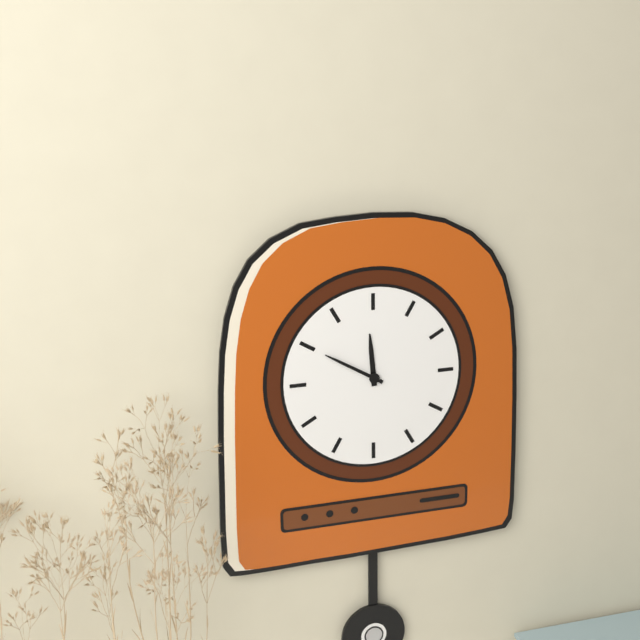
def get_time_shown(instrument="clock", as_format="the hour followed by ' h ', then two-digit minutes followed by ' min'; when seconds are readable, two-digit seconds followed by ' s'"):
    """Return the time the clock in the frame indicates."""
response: 11 h 50 min
